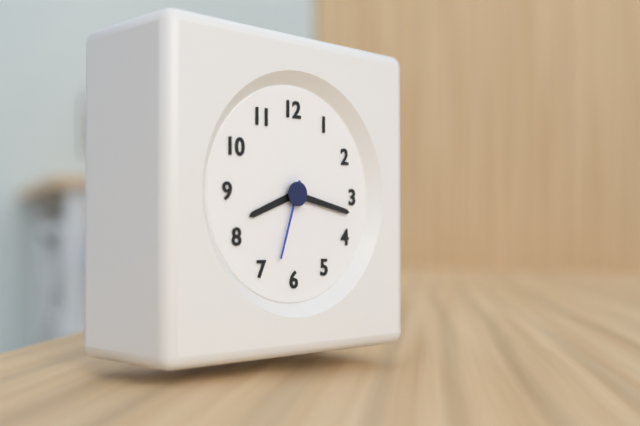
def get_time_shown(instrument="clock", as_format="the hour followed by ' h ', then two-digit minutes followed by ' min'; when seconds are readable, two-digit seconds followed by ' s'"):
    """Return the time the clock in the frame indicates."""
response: 8 h 17 min 33 s
